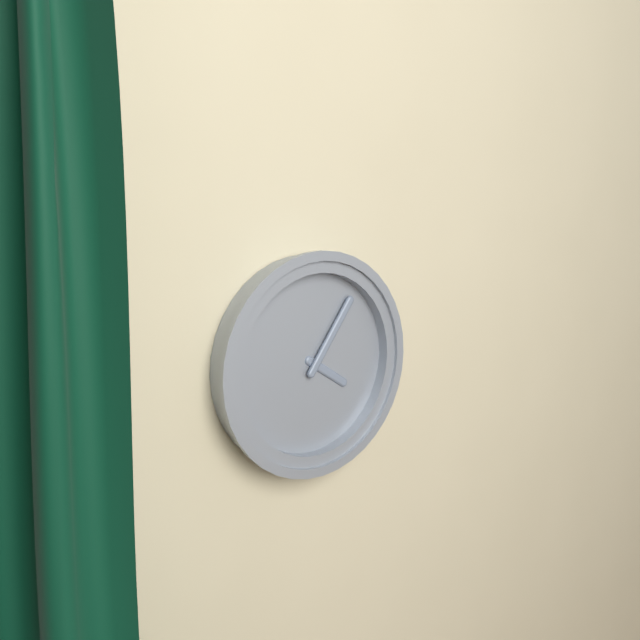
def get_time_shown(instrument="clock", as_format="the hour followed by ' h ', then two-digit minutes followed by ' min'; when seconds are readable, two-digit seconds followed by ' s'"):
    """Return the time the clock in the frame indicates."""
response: 4 h 06 min
